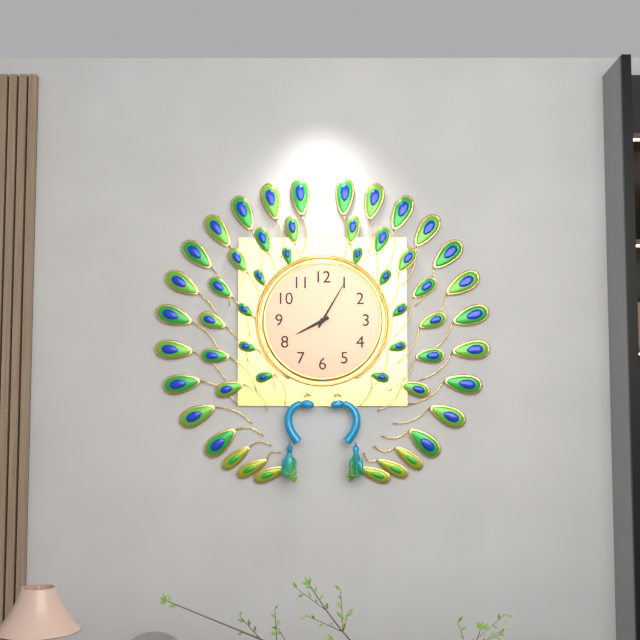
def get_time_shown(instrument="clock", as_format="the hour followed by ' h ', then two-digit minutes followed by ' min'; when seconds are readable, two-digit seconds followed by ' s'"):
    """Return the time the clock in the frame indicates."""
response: 8 h 05 min
